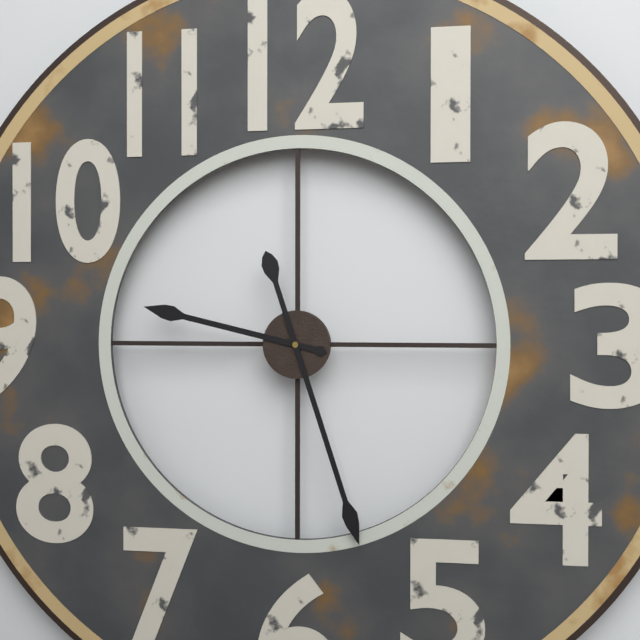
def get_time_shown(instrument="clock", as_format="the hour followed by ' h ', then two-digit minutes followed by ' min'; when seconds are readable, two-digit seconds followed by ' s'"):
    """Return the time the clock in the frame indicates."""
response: 9 h 27 min
